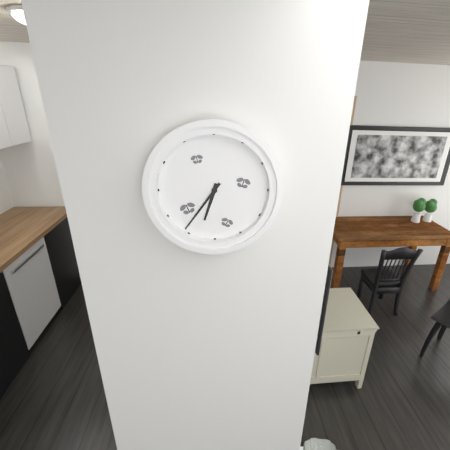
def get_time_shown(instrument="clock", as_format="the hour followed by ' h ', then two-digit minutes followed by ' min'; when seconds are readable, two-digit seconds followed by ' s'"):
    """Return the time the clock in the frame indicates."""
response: 6 h 36 min
